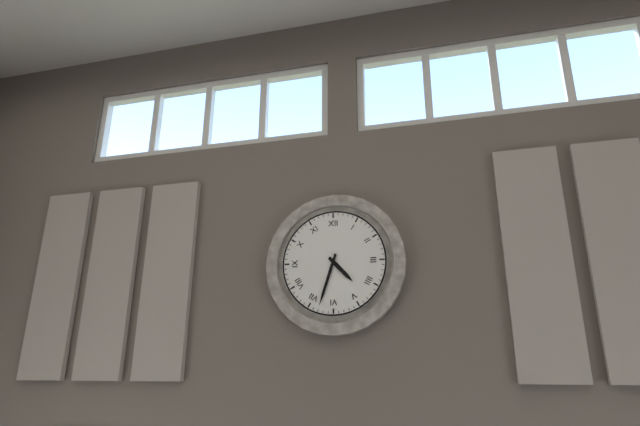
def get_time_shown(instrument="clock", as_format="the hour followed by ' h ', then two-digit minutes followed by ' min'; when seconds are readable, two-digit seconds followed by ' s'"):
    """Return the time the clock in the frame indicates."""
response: 4 h 33 min
